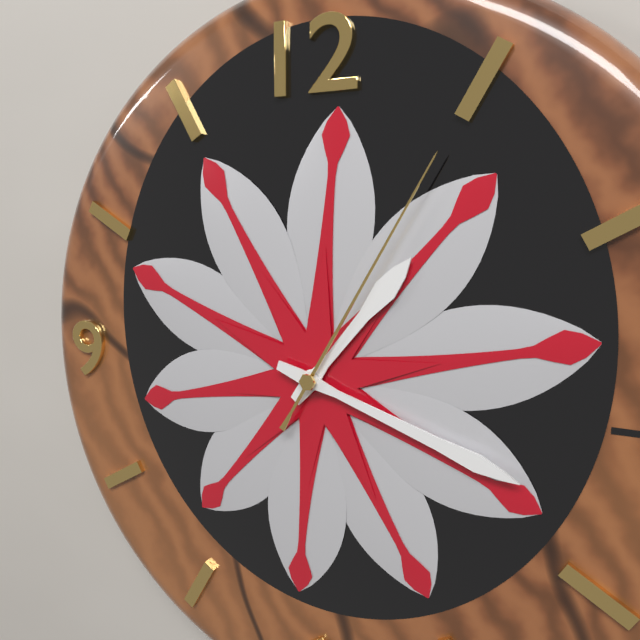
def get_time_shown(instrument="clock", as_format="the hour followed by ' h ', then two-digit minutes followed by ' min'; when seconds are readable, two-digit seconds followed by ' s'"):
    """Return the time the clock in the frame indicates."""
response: 1 h 18 min 05 s
